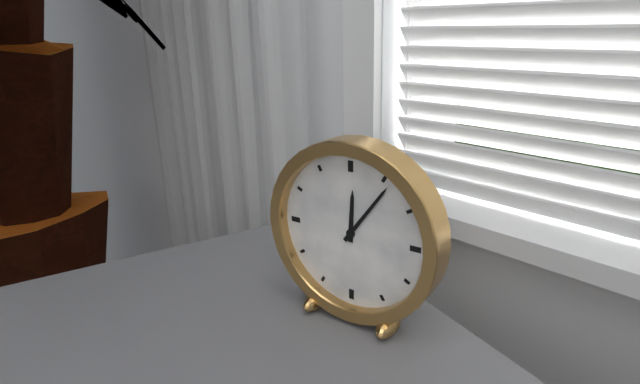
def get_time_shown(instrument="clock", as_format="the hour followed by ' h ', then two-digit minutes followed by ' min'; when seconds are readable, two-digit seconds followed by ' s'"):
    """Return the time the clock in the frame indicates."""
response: 12 h 06 min
